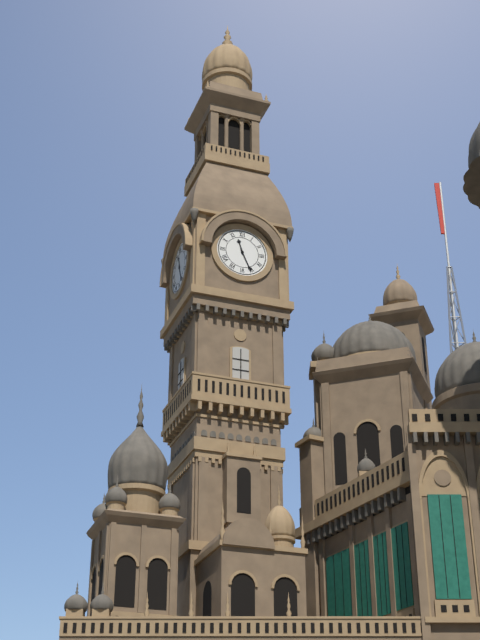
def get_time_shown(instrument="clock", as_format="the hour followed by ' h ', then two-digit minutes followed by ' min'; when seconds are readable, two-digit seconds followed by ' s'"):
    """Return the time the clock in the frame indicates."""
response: 11 h 26 min
